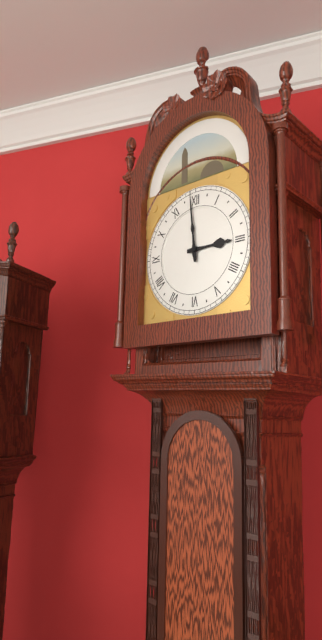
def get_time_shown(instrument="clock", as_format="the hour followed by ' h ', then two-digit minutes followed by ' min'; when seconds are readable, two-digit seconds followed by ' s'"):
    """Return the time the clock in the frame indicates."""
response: 2 h 59 min
